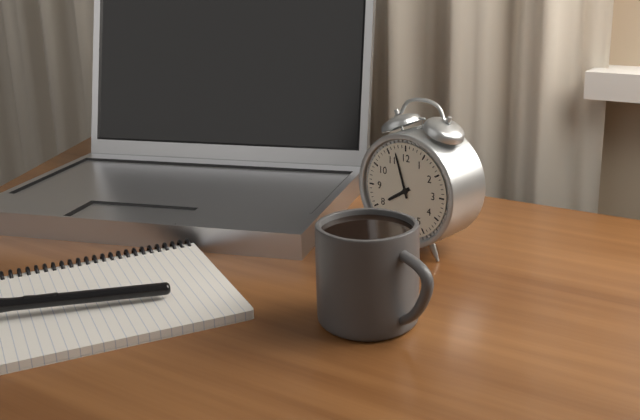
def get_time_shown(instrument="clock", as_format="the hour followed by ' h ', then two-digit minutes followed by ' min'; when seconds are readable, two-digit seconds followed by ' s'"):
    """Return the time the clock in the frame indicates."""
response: 7 h 57 min
